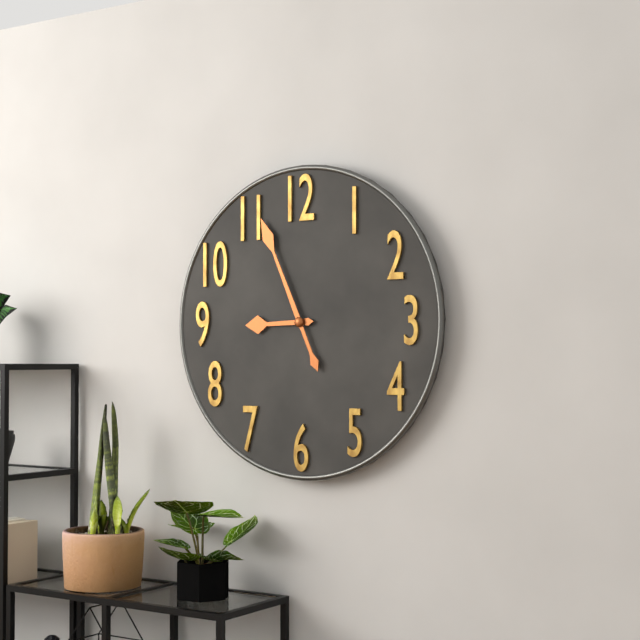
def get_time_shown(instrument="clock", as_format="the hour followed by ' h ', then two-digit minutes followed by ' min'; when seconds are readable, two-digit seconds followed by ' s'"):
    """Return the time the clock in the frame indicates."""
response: 8 h 56 min
